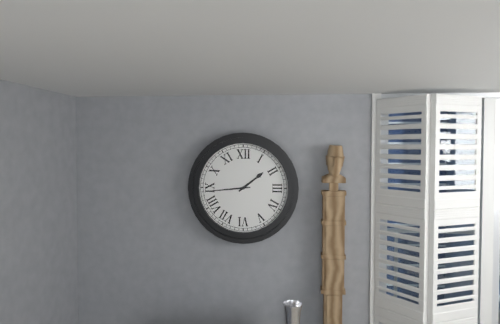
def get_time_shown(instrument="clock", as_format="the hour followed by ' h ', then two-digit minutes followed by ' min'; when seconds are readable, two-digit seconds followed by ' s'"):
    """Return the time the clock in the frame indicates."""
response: 1 h 44 min
